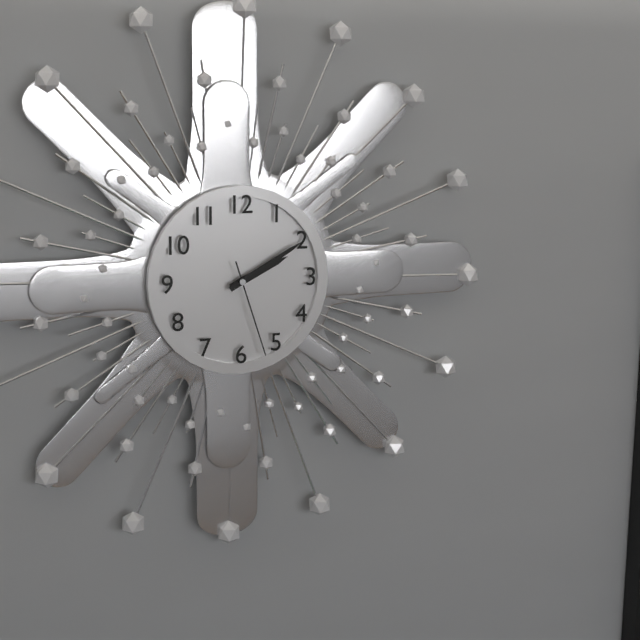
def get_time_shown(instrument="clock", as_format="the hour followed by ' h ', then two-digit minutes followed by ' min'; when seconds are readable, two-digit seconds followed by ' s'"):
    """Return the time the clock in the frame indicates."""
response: 2 h 10 min 27 s
